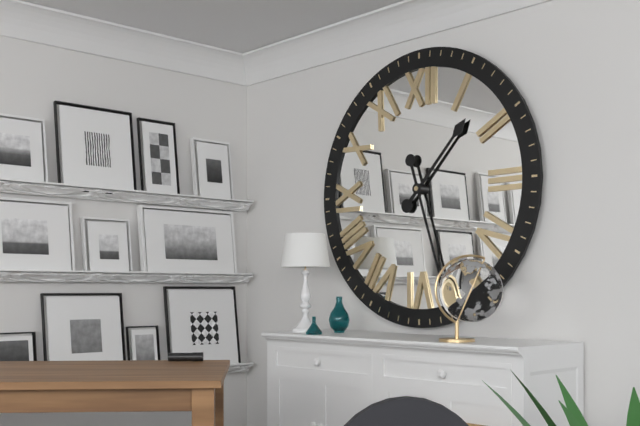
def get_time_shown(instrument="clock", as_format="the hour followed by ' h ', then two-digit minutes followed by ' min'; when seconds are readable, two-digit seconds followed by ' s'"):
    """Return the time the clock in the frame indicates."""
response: 1 h 27 min
